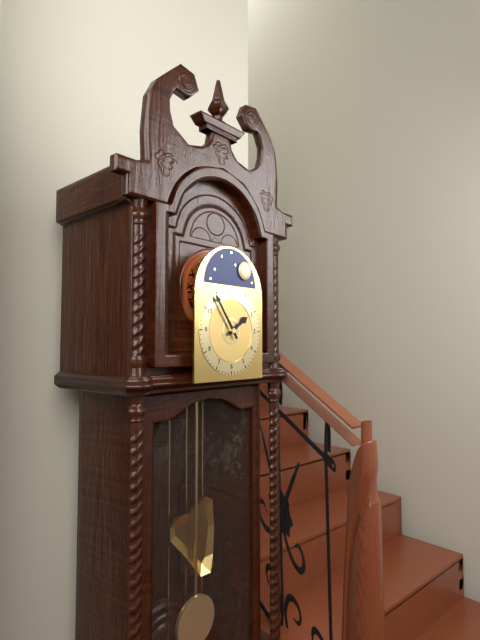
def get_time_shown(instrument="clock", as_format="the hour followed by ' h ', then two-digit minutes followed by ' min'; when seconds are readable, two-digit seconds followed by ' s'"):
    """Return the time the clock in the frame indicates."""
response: 1 h 54 min
